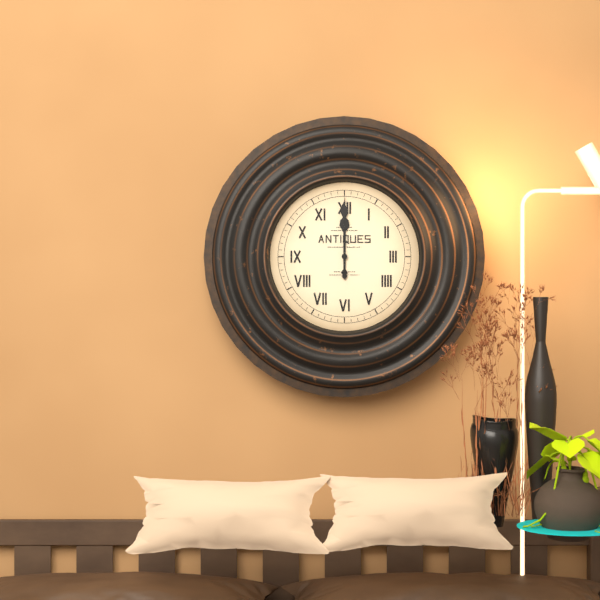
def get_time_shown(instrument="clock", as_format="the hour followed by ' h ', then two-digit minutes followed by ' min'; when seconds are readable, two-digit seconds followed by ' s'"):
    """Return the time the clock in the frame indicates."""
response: 12 h 00 min
